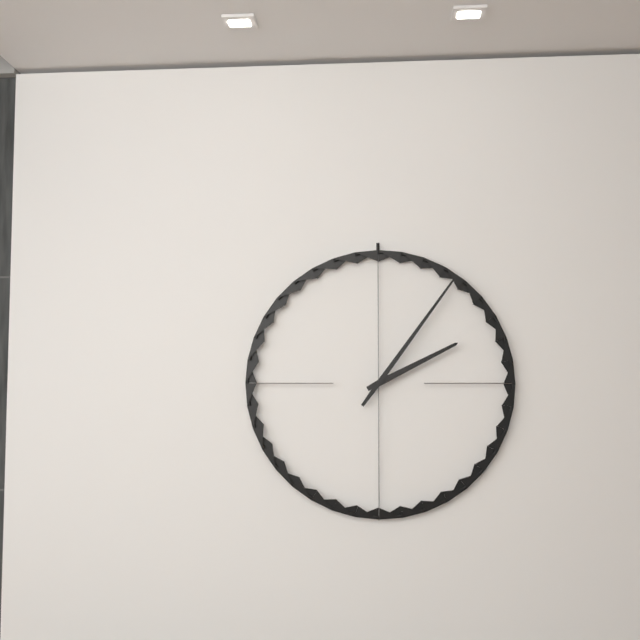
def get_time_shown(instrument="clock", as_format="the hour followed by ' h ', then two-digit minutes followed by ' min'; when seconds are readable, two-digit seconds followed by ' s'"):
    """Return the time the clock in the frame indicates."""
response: 2 h 06 min
